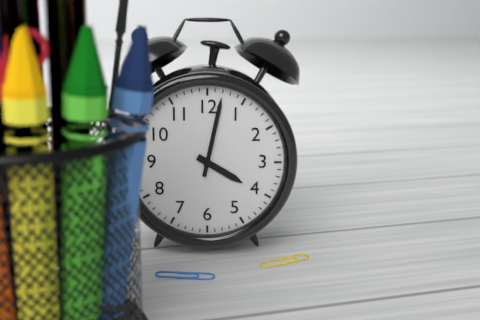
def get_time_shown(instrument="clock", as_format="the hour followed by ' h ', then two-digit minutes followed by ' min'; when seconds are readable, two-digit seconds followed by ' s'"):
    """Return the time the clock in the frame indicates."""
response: 4 h 02 min
